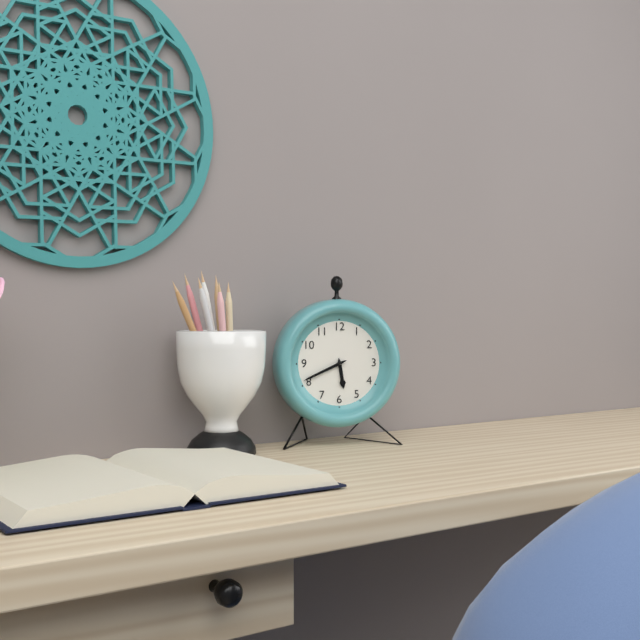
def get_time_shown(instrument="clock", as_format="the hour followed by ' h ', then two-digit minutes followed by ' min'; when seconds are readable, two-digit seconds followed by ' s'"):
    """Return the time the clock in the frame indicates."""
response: 5 h 41 min
